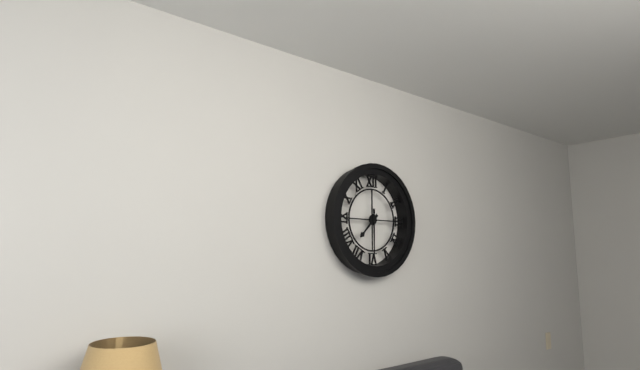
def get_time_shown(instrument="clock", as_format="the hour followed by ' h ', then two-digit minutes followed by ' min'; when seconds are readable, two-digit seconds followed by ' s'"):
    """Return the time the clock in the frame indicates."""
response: 7 h 30 min
